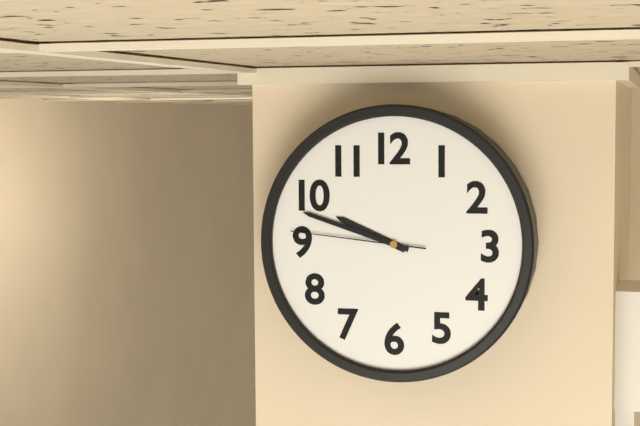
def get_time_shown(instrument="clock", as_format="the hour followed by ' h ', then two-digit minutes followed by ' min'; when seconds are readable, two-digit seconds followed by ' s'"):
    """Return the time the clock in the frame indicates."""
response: 9 h 48 min 46 s
